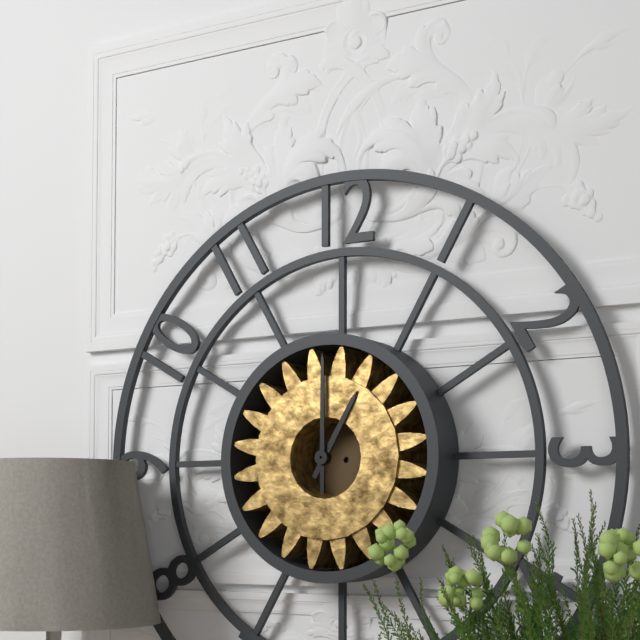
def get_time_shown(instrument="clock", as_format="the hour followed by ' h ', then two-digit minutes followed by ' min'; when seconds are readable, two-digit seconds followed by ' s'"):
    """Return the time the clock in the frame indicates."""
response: 1 h 00 min
